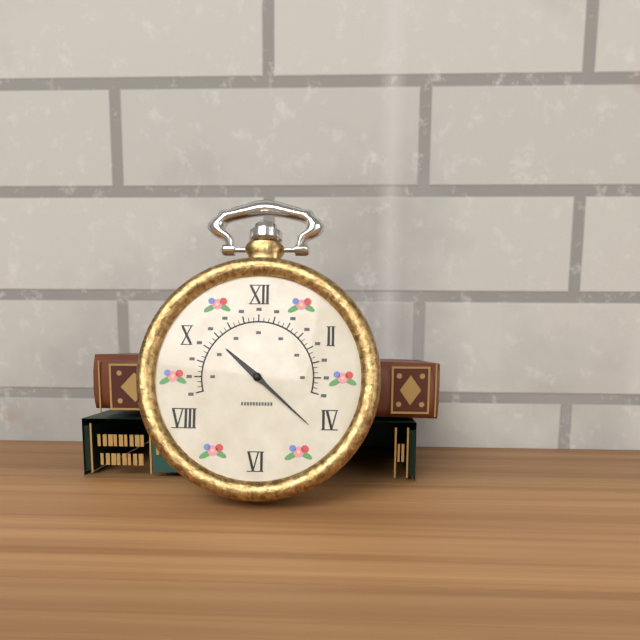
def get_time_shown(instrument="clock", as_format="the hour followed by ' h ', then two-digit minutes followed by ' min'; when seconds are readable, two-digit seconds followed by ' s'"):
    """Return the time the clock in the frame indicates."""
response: 10 h 22 min
